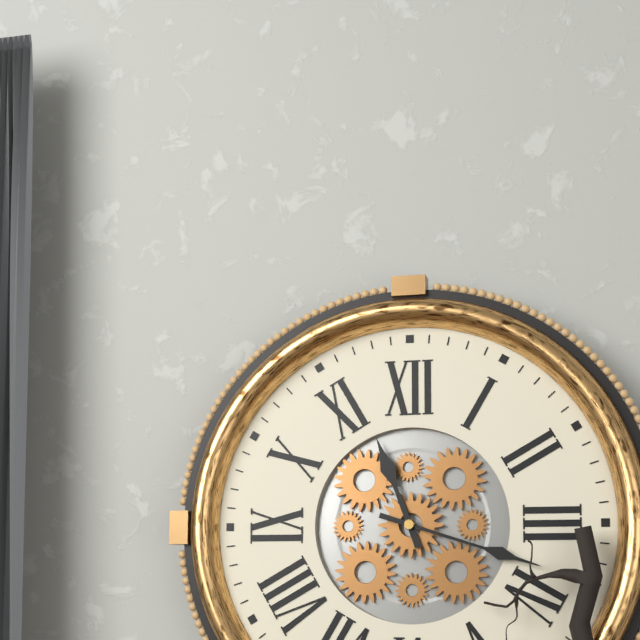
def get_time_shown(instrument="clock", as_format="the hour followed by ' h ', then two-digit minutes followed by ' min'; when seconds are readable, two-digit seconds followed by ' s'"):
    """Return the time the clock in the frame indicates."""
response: 11 h 18 min
